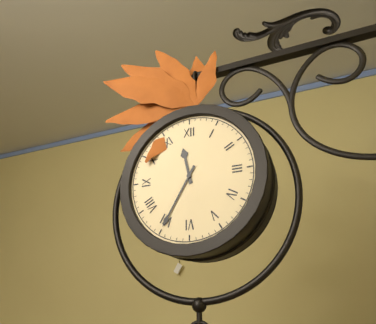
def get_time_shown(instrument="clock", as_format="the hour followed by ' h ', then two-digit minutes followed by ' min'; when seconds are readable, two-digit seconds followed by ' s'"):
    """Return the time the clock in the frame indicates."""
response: 11 h 35 min
